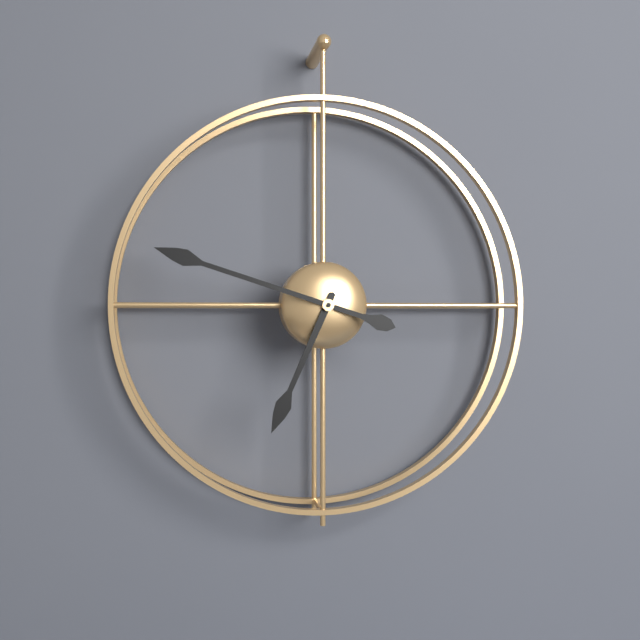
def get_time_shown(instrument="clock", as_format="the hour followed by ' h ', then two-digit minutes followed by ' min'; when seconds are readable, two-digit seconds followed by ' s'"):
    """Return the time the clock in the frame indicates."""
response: 6 h 48 min
